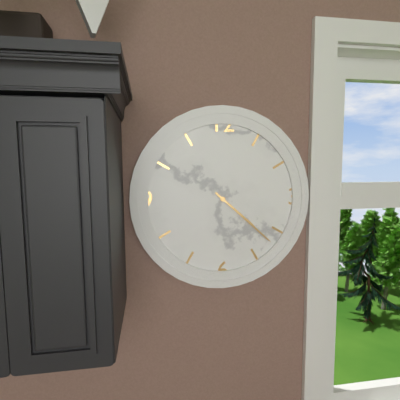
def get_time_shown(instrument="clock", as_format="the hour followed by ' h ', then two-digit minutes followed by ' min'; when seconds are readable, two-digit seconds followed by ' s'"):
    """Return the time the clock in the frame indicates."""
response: 4 h 22 min
